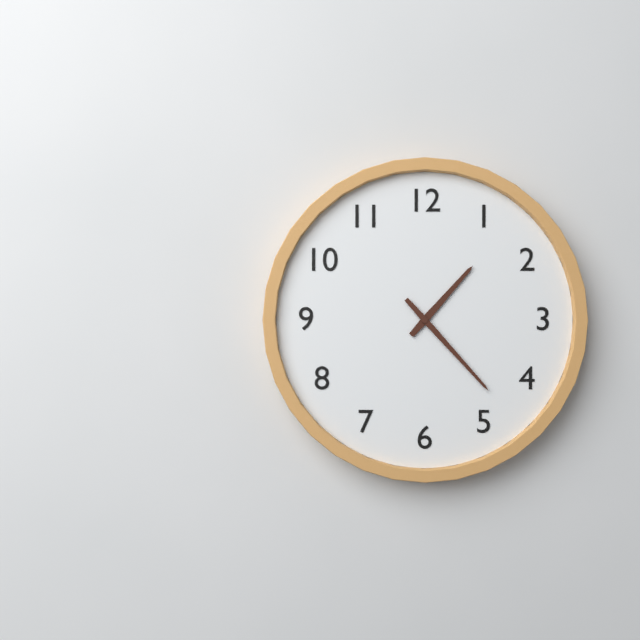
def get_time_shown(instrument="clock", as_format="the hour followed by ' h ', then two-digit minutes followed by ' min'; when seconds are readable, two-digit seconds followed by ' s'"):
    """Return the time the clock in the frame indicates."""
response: 1 h 23 min
